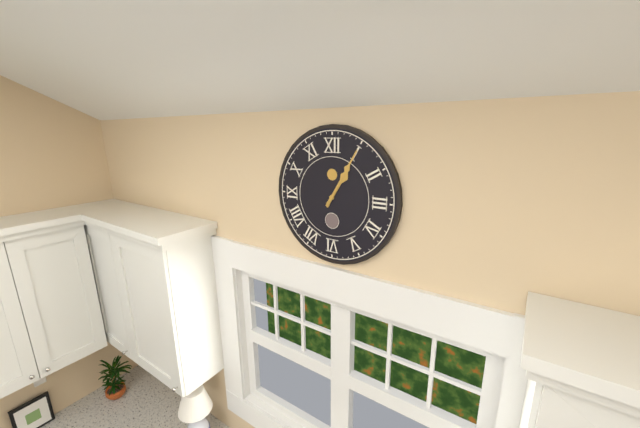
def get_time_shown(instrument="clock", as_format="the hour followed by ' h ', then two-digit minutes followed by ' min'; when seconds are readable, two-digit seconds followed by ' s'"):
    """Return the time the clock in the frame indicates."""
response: 1 h 05 min
